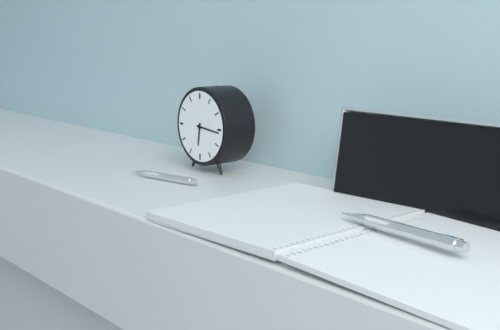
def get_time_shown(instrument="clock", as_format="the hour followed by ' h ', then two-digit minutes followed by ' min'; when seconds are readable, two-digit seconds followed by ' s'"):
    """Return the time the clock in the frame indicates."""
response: 6 h 16 min
